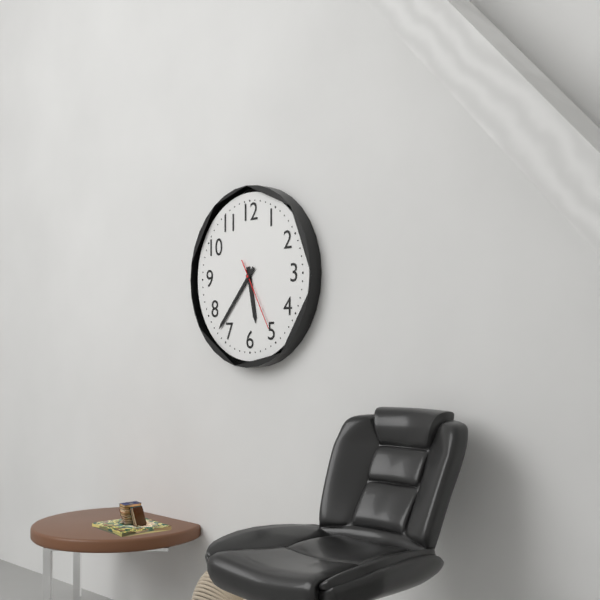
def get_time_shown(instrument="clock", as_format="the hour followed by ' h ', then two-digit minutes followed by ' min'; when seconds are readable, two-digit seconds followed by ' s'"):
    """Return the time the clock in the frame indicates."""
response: 5 h 37 min 25 s
